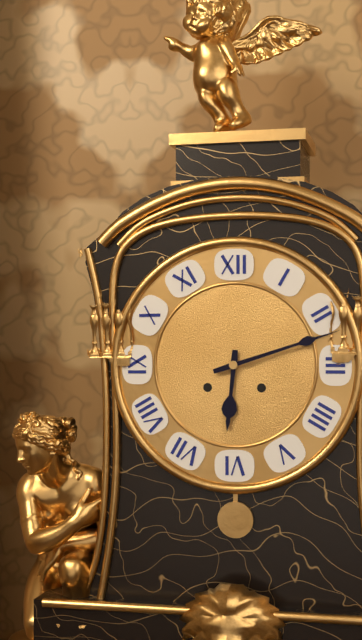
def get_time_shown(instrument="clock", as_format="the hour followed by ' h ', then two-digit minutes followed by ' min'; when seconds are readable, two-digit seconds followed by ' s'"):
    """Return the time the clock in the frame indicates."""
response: 6 h 12 min
